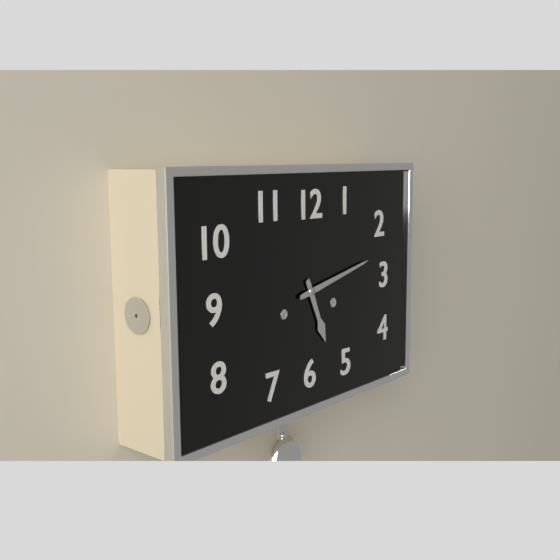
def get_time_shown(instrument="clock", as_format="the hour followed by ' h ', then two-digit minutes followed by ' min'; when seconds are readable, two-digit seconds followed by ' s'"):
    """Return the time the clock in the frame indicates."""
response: 5 h 13 min
